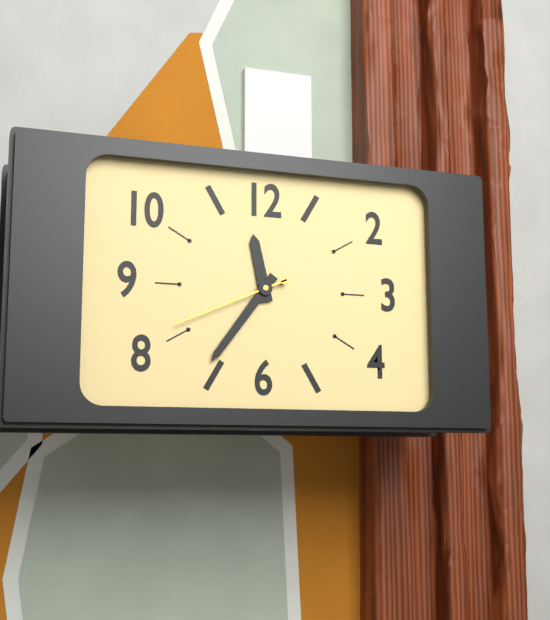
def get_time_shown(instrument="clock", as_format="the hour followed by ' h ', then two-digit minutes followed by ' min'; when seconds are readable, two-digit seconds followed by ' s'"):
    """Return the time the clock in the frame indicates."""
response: 11 h 36 min 41 s
